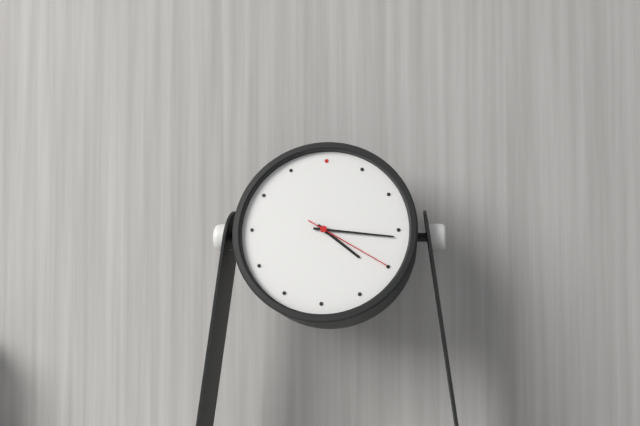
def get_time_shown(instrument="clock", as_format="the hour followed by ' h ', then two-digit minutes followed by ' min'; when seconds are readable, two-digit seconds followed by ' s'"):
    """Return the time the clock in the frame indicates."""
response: 4 h 16 min 20 s
